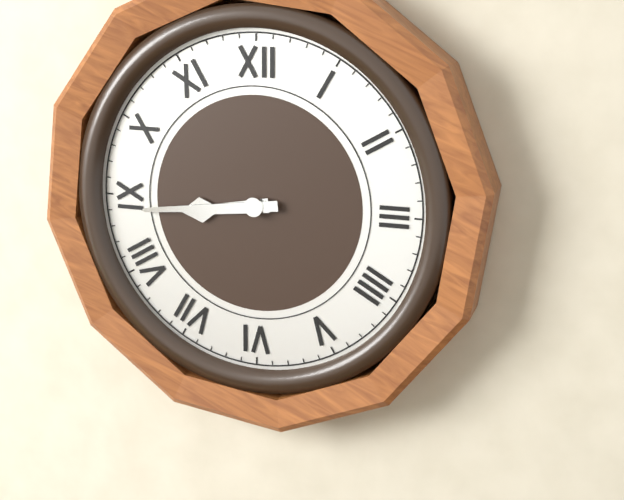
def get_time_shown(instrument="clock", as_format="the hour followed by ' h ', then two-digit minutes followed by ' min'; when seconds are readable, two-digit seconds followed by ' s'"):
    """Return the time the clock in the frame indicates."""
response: 8 h 44 min
